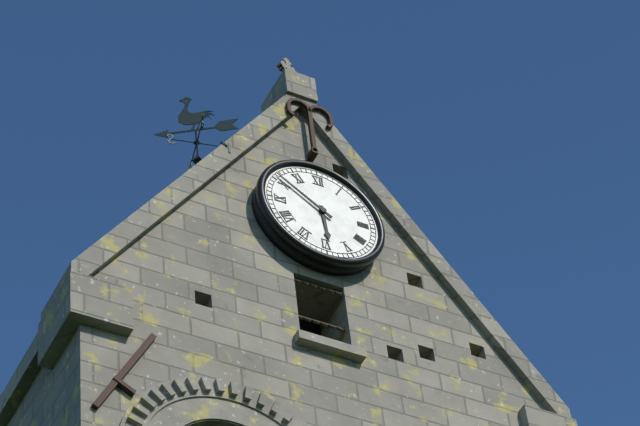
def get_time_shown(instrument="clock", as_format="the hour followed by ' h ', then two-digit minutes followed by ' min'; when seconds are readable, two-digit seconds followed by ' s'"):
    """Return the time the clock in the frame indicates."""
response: 5 h 51 min
